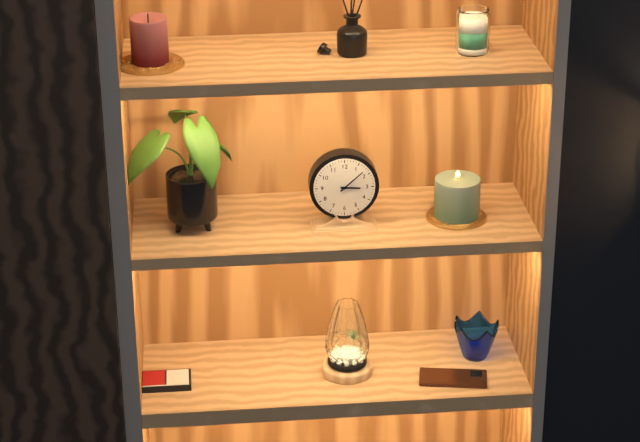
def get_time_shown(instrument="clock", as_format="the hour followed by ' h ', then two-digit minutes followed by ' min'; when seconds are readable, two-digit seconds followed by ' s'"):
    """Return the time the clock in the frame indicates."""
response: 3 h 08 min
